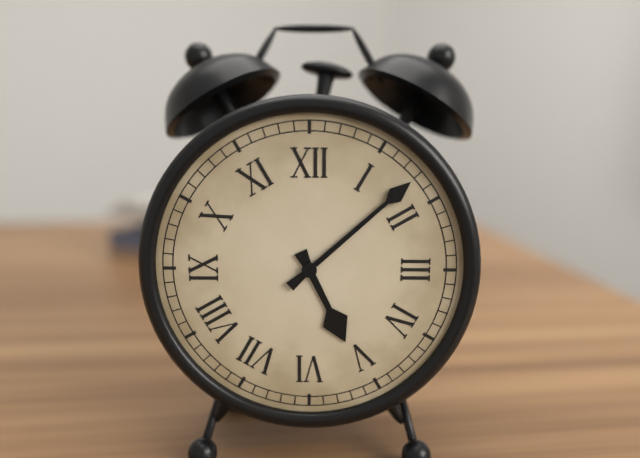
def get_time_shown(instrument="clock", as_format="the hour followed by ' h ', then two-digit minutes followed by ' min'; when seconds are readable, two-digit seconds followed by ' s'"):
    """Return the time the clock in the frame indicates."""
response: 5 h 08 min
